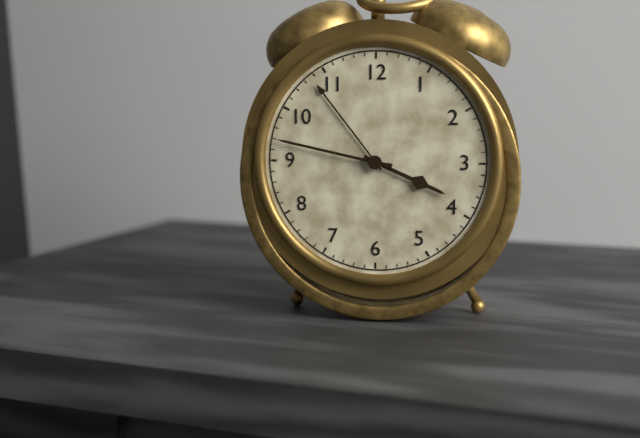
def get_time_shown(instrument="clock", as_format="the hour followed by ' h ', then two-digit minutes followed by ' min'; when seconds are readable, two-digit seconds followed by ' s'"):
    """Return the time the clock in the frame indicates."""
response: 3 h 47 min
